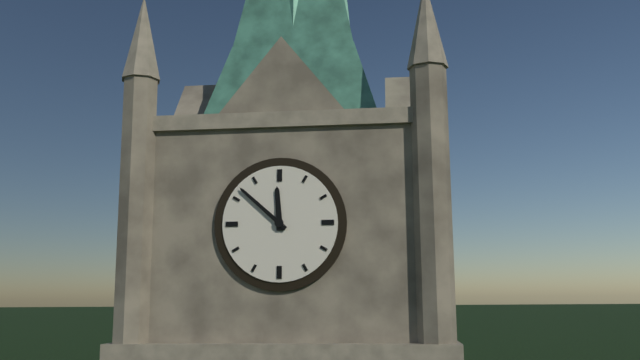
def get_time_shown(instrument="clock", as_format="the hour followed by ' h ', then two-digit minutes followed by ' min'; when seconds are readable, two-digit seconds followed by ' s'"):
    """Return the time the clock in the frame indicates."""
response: 11 h 52 min
